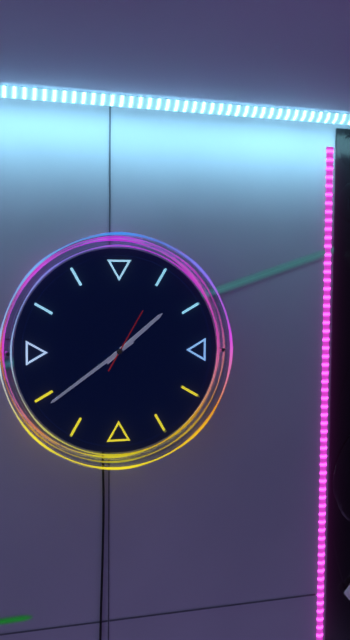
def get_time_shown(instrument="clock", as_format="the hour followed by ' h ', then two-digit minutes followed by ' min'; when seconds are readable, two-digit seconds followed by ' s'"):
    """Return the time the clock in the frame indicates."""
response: 1 h 39 min 05 s
